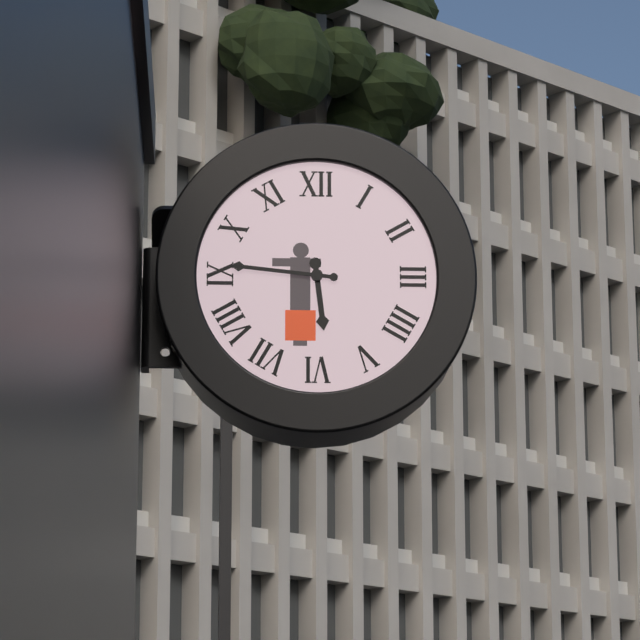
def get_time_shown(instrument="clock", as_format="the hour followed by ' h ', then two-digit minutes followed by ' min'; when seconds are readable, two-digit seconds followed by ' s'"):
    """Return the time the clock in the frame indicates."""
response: 5 h 46 min
